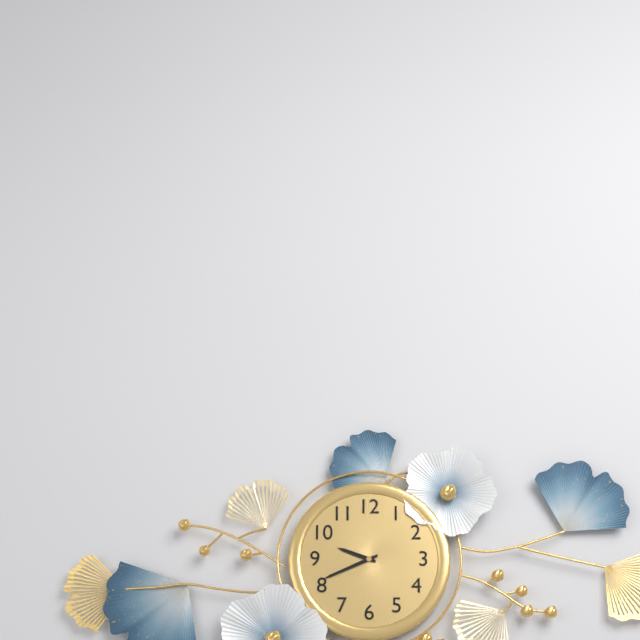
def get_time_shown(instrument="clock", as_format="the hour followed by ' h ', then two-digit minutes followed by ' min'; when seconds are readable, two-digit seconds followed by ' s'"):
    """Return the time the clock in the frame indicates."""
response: 9 h 41 min
